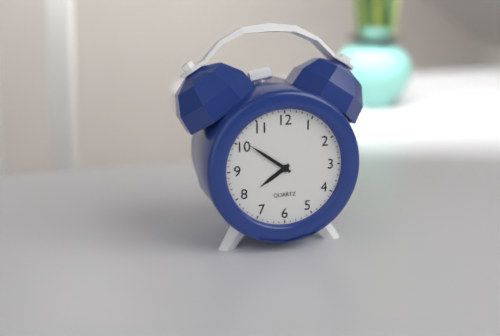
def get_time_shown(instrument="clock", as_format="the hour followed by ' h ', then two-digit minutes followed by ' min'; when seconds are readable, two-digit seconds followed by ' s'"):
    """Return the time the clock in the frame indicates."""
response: 7 h 51 min
